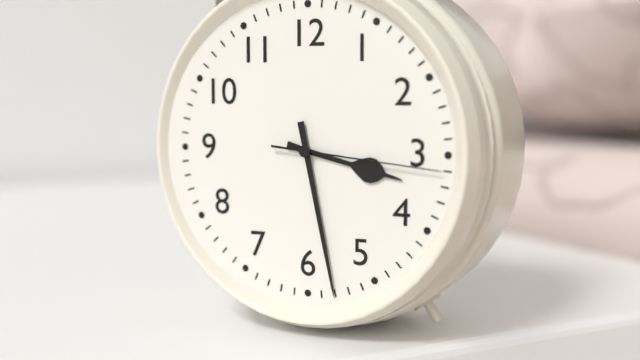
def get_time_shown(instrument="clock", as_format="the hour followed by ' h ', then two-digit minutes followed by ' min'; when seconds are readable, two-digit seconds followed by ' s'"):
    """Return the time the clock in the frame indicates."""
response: 3 h 28 min 16 s
